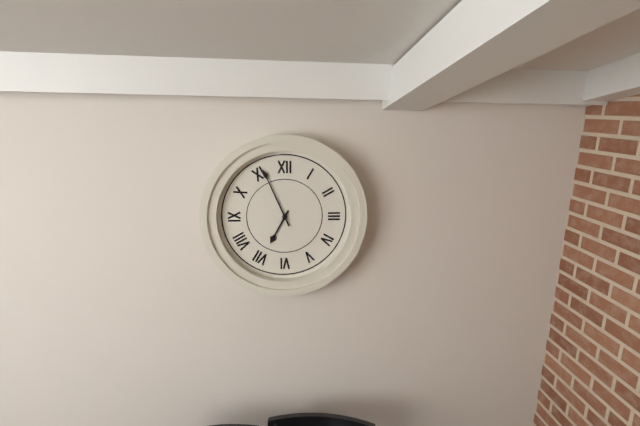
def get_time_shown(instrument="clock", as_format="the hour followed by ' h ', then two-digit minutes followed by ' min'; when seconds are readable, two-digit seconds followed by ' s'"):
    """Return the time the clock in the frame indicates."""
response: 6 h 56 min
